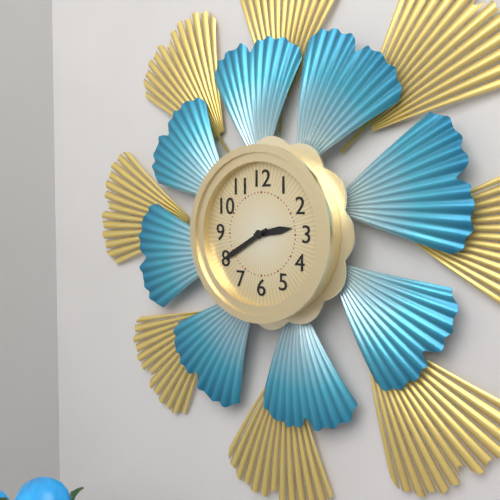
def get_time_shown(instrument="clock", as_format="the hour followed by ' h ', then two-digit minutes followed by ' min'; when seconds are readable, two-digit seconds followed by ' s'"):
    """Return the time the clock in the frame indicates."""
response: 2 h 40 min
